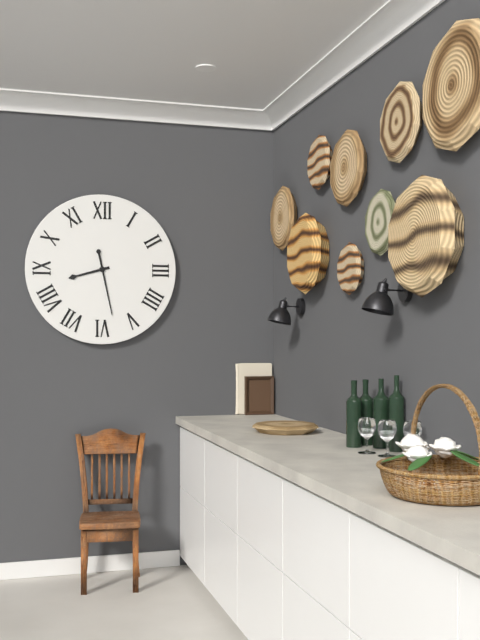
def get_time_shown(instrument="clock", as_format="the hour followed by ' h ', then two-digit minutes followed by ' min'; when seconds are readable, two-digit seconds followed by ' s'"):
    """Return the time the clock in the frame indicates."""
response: 8 h 28 min
